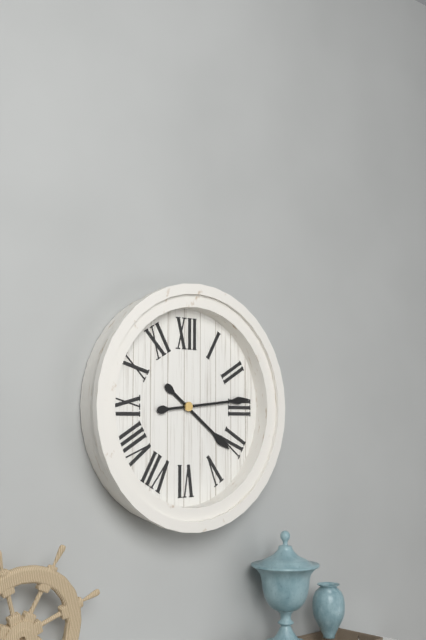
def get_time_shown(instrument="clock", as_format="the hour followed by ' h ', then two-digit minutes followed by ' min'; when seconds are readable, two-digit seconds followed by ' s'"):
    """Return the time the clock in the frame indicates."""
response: 4 h 14 min
